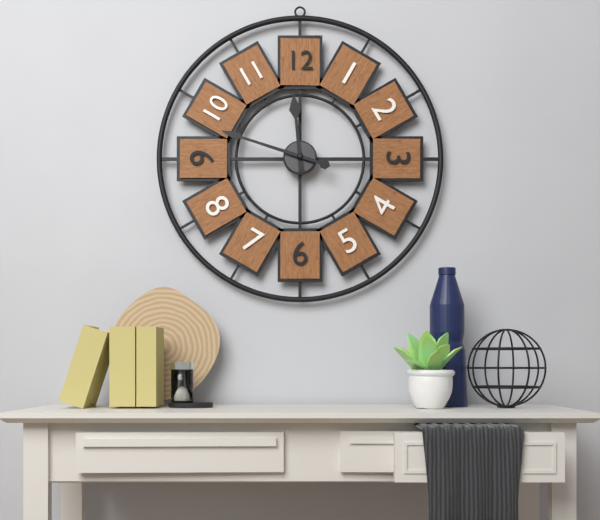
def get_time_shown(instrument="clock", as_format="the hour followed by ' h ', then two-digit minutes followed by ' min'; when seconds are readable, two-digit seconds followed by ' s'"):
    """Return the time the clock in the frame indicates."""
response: 11 h 48 min
